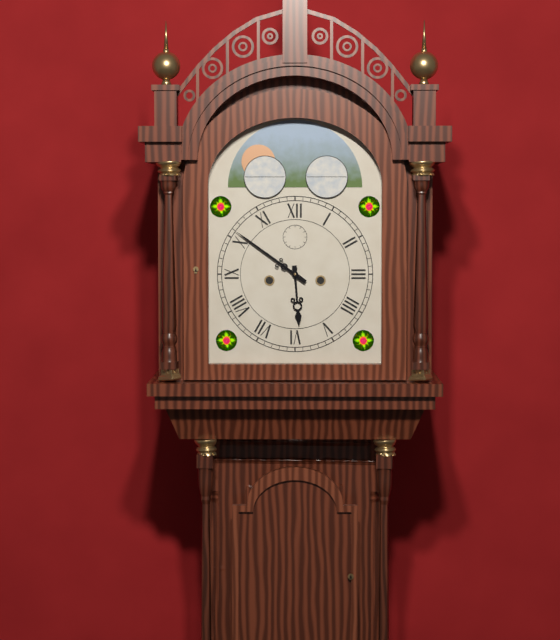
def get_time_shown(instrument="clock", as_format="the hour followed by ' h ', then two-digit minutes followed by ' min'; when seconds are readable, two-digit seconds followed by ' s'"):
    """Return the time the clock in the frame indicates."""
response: 5 h 51 min
